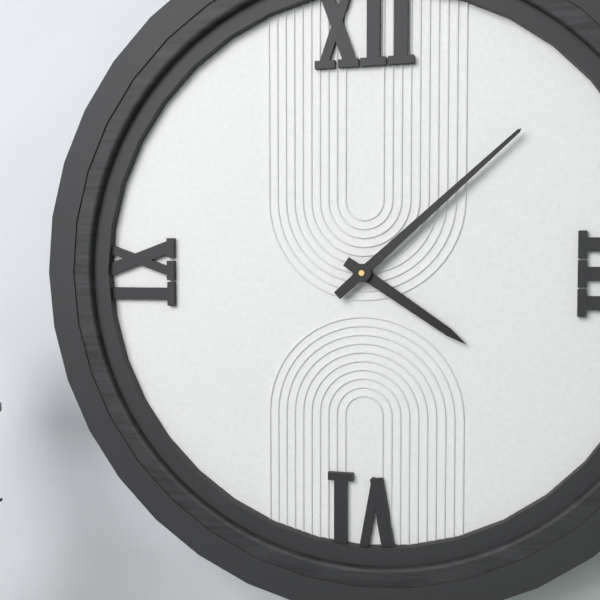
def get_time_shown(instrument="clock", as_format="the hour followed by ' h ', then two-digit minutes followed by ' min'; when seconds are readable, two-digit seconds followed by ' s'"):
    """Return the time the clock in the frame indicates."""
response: 4 h 08 min
